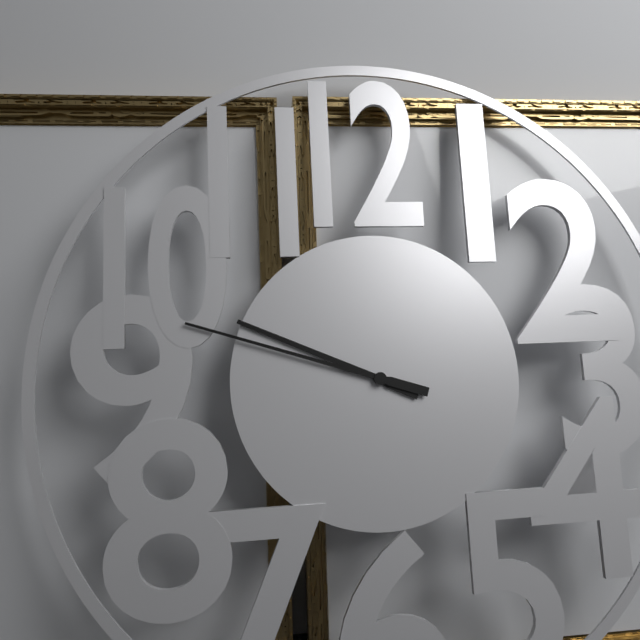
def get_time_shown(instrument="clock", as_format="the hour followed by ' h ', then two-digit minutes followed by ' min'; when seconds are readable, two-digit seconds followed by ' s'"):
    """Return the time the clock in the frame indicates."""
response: 9 h 48 min
